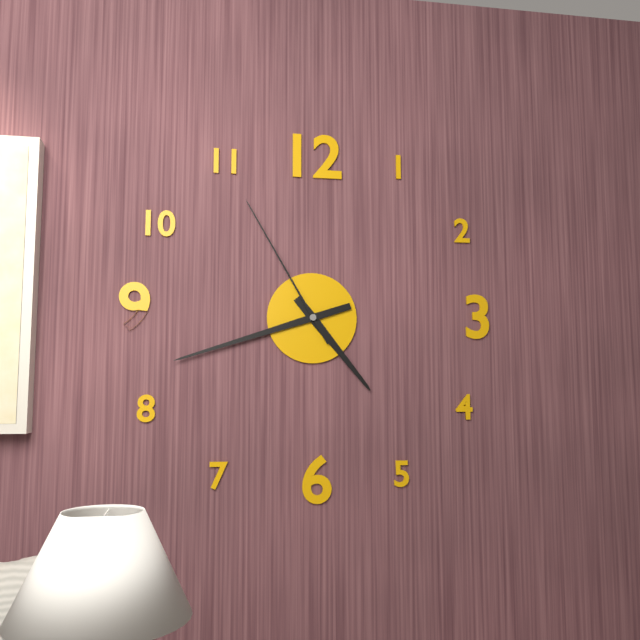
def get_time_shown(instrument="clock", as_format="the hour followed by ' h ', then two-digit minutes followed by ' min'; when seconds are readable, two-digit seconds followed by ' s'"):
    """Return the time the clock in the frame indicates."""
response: 4 h 42 min 55 s
